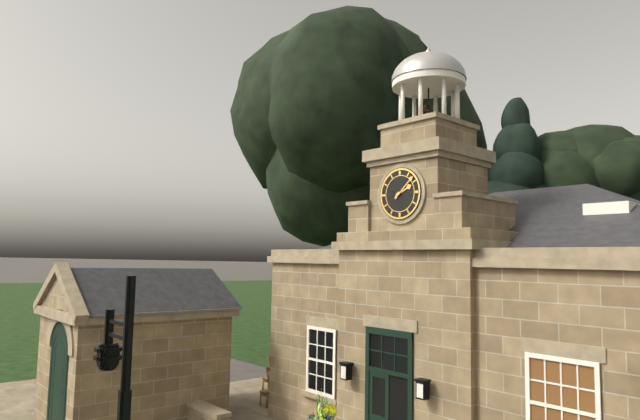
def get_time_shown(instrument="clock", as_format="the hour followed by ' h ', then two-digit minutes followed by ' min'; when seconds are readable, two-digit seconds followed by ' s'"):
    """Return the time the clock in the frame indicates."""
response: 2 h 08 min
